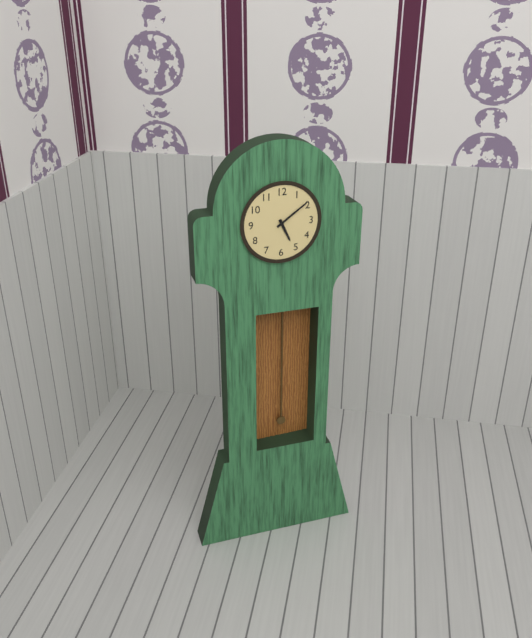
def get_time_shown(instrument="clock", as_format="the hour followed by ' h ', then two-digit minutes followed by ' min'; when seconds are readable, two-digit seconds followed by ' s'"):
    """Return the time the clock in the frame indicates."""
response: 5 h 09 min
